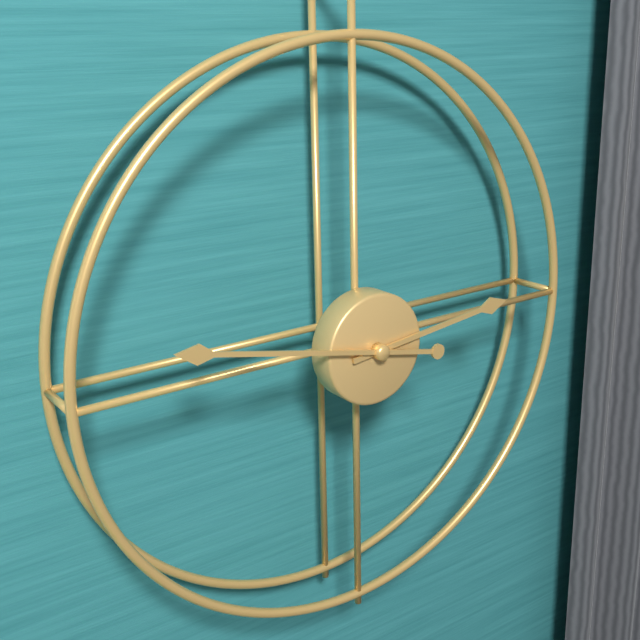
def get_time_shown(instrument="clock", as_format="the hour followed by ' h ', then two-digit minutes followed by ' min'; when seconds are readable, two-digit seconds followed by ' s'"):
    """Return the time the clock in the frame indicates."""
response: 2 h 47 min
